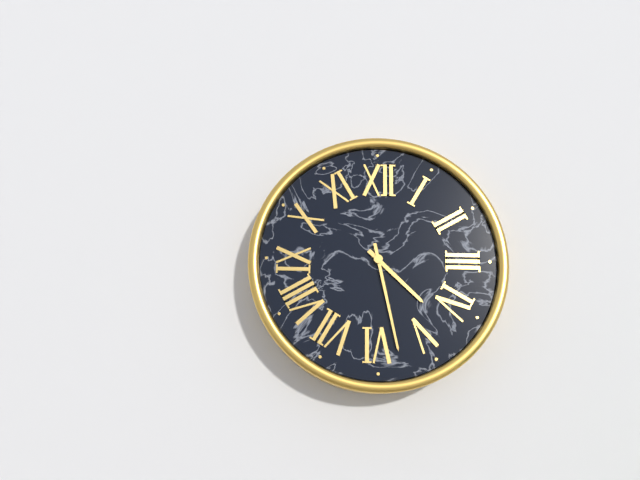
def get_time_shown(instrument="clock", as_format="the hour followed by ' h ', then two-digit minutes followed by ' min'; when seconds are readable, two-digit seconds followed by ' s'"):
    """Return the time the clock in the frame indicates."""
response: 4 h 28 min
